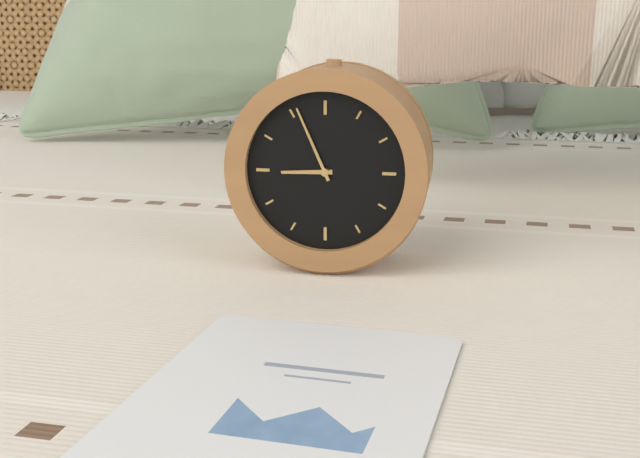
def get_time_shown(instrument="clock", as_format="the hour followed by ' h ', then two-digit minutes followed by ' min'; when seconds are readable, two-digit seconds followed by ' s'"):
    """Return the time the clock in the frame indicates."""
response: 8 h 56 min
